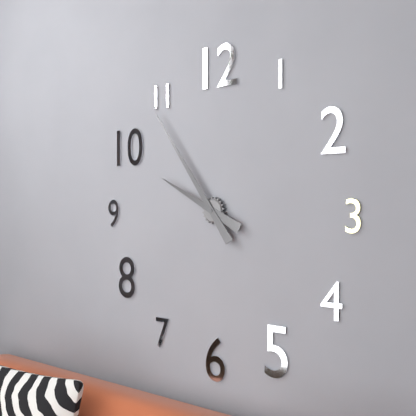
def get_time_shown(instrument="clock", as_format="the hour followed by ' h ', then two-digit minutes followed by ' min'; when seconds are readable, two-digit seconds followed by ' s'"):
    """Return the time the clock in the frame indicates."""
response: 9 h 54 min
